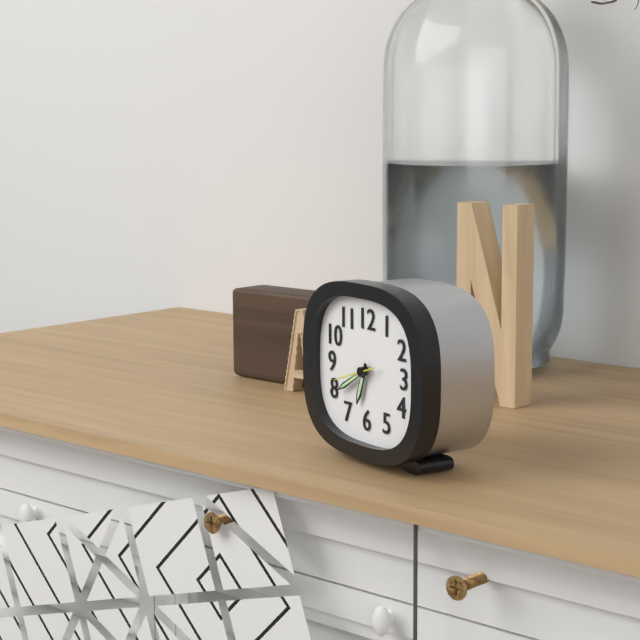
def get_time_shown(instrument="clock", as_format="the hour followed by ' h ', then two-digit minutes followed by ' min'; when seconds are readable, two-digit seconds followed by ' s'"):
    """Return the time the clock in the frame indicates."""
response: 6 h 40 min
